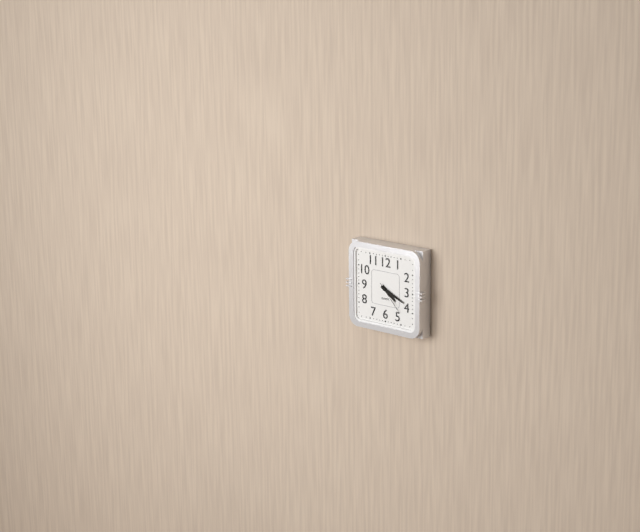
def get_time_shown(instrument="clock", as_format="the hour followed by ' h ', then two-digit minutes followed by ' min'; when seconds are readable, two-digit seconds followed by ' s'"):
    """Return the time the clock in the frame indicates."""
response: 4 h 19 min
